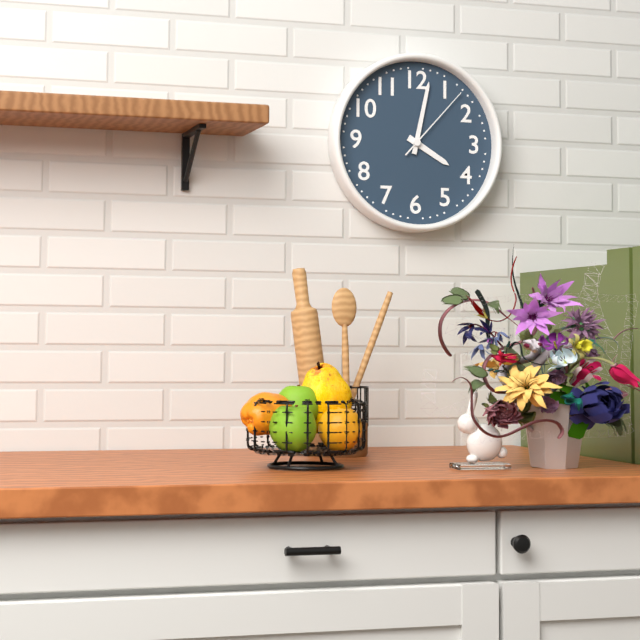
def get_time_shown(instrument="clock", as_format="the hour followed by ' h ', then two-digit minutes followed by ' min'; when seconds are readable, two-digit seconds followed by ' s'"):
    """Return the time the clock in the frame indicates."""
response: 4 h 02 min 07 s
